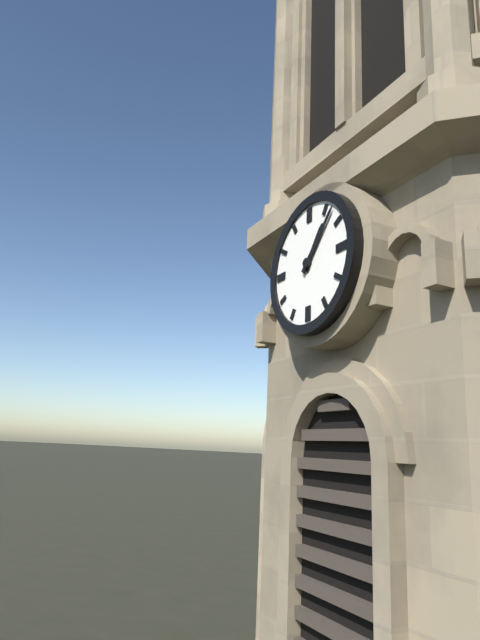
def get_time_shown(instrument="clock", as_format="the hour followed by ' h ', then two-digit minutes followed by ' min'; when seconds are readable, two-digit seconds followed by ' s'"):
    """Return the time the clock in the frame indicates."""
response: 1 h 07 min
